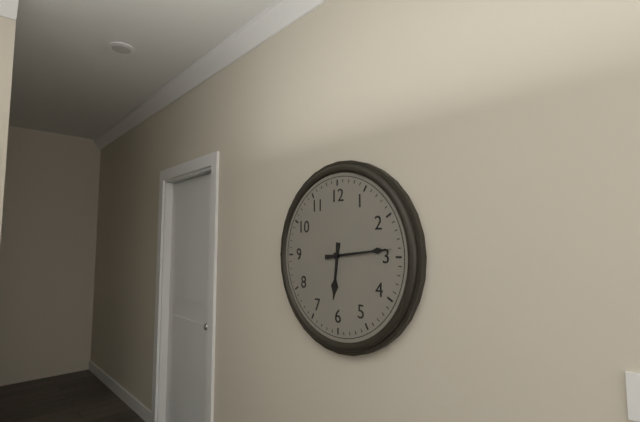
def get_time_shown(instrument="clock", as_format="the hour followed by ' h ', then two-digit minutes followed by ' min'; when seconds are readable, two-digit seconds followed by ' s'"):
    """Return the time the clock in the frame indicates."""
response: 6 h 14 min
